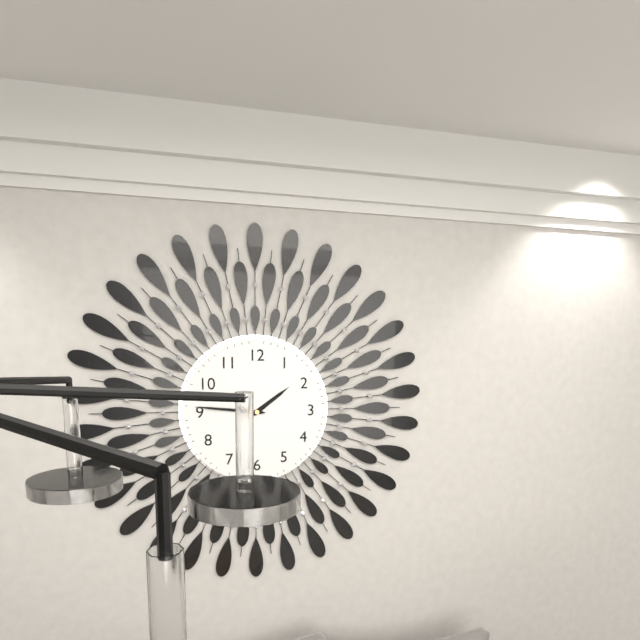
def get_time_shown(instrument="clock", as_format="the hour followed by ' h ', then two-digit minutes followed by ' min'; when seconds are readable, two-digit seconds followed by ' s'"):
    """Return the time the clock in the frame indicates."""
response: 1 h 46 min
